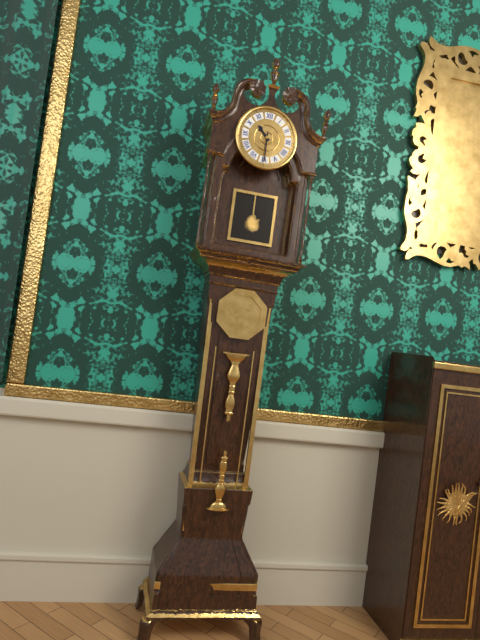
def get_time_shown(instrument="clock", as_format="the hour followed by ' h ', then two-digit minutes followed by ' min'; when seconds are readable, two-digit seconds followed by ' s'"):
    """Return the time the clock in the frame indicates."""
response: 10 h 30 min
